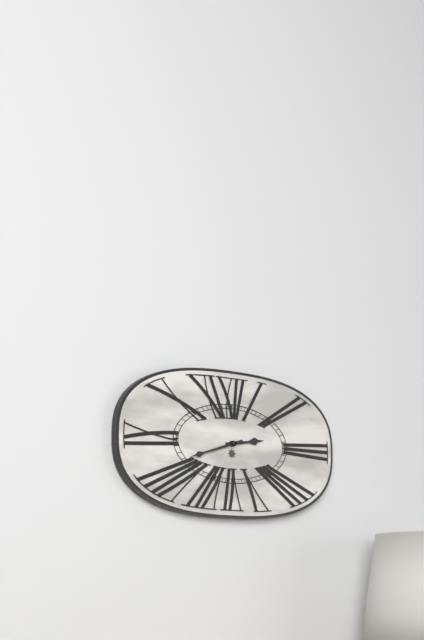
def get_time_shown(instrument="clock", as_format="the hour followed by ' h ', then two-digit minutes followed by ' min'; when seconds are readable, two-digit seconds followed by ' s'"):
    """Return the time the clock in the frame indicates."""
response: 2 h 42 min
